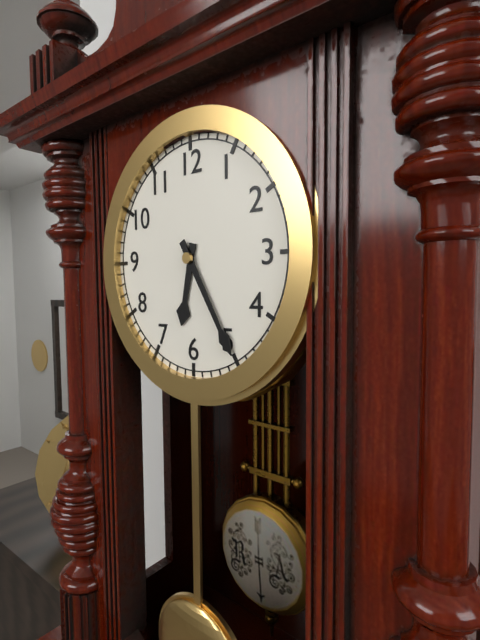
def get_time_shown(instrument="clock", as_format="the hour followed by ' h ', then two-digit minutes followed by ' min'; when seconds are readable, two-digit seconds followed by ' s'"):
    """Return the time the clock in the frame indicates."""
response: 6 h 25 min
